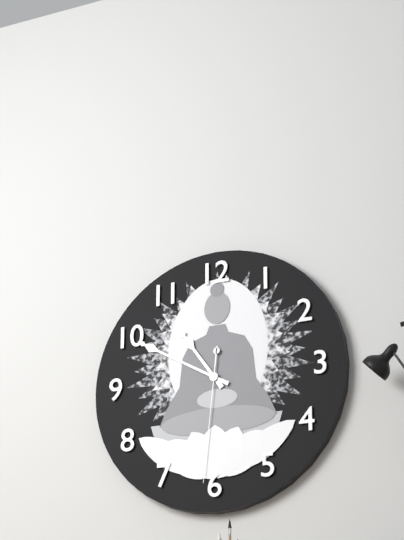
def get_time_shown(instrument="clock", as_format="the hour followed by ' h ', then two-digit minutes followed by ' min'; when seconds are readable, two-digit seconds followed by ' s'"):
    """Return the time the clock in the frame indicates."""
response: 10 h 50 min 31 s
